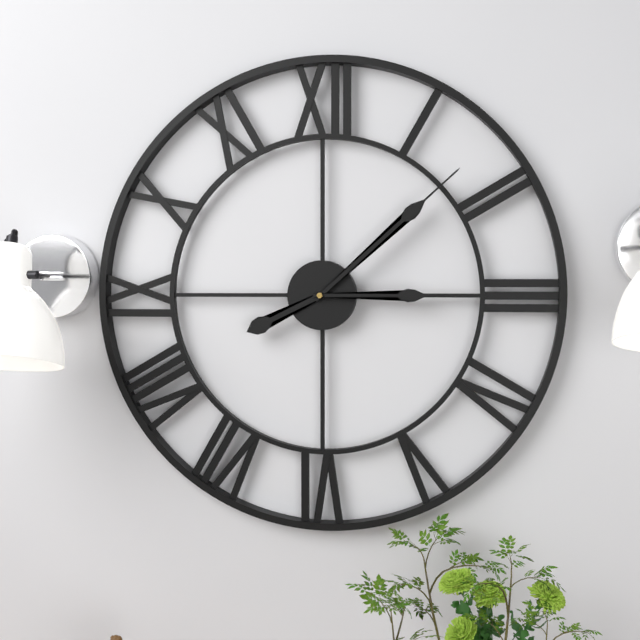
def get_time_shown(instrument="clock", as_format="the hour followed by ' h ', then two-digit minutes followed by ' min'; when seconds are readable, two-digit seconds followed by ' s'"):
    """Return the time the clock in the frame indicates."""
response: 8 h 08 min 15 s
